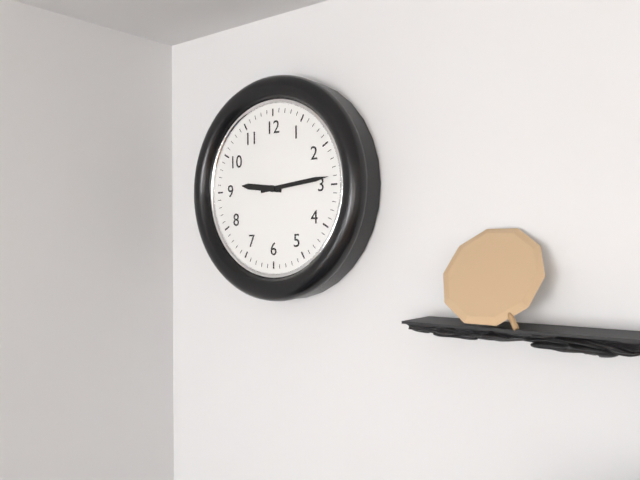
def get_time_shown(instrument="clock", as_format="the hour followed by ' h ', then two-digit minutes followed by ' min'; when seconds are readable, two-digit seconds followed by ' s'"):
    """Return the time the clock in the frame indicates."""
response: 9 h 14 min
